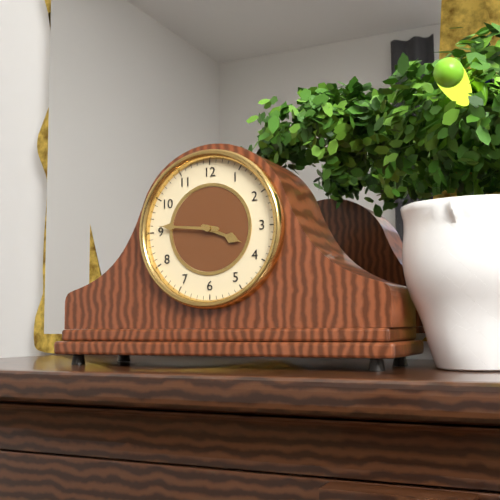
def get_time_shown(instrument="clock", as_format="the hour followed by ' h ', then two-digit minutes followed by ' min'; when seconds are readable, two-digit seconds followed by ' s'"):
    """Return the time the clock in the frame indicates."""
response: 3 h 46 min
